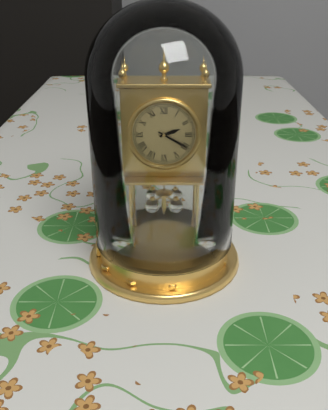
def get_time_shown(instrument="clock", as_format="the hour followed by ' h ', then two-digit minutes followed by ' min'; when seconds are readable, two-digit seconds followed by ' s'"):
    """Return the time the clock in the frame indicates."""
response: 2 h 20 min
